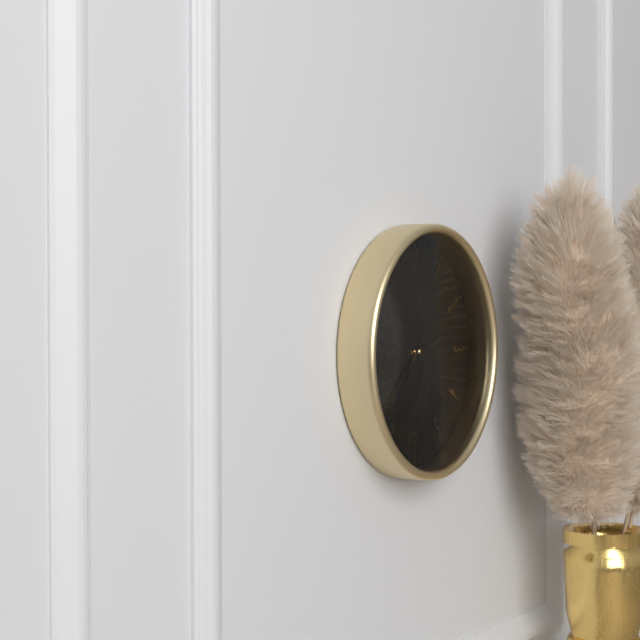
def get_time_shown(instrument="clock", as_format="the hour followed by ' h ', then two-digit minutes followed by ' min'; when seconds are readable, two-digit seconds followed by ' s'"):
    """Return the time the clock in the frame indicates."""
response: 2 h 38 min 36 s
